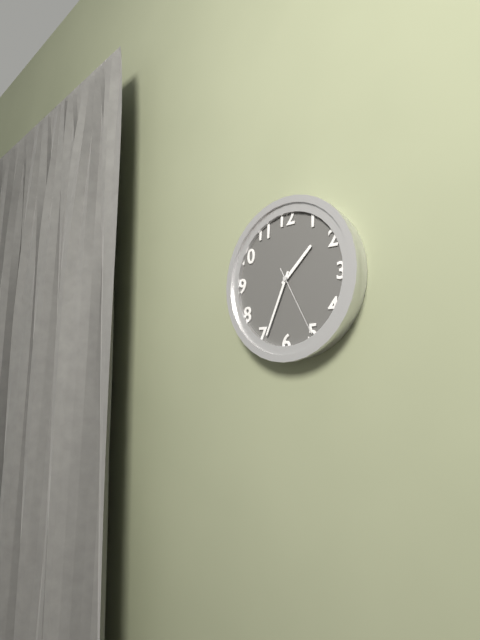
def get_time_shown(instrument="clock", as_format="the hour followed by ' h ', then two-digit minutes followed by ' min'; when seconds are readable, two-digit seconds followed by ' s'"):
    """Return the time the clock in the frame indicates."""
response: 1 h 34 min 25 s
